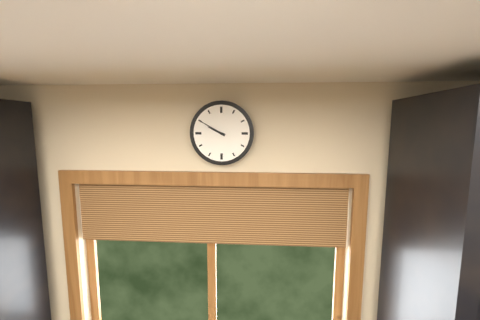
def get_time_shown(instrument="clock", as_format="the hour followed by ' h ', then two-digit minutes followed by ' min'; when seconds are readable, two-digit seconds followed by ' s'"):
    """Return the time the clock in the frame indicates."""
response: 9 h 50 min
